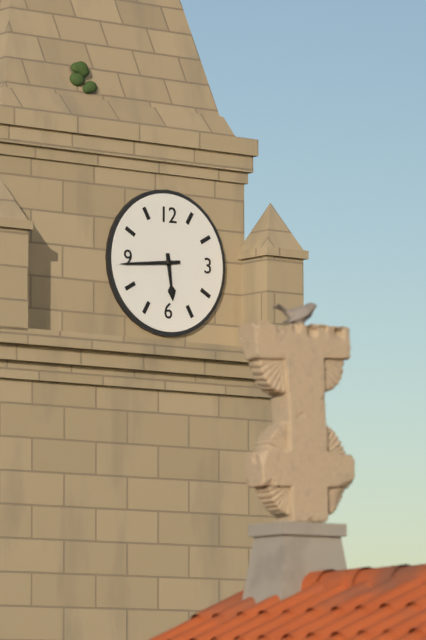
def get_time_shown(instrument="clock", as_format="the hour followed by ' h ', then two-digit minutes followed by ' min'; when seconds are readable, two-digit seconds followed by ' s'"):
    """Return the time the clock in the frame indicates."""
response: 5 h 44 min
